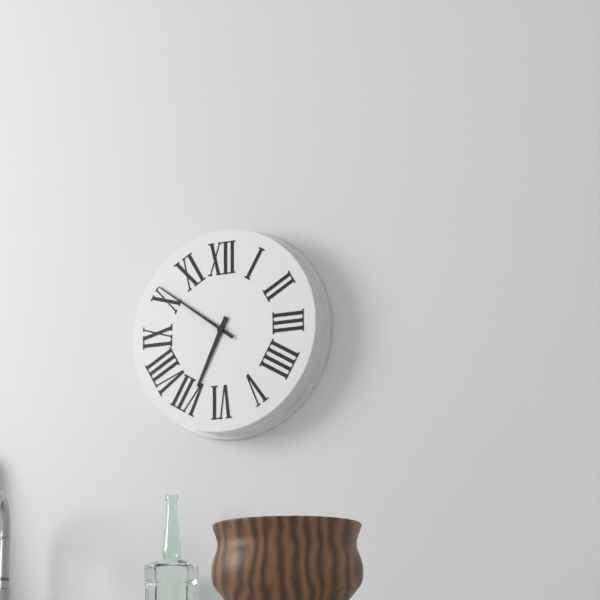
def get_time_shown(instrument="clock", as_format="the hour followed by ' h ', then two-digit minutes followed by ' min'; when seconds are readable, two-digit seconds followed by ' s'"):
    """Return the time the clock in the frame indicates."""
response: 6 h 51 min
